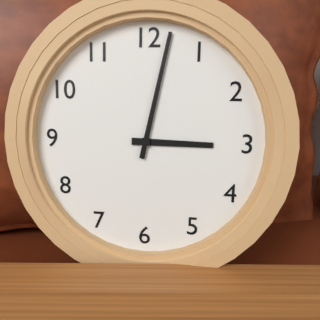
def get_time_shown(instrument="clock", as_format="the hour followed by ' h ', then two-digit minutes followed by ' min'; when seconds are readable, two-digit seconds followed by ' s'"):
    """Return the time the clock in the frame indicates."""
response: 3 h 02 min
